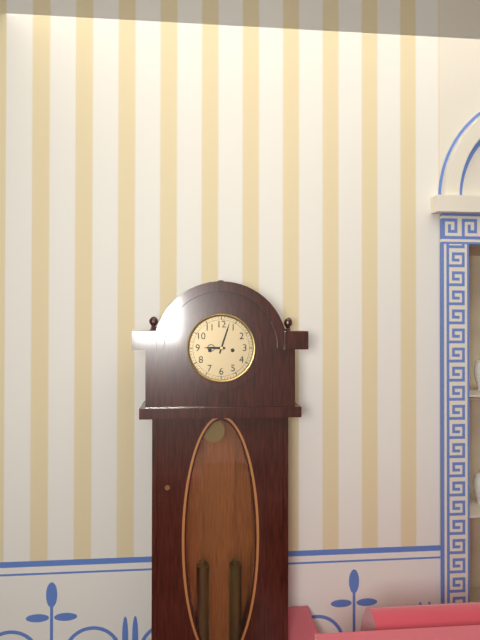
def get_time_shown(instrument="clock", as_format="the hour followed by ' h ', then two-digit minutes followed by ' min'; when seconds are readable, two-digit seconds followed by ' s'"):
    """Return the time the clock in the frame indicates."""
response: 9 h 03 min
